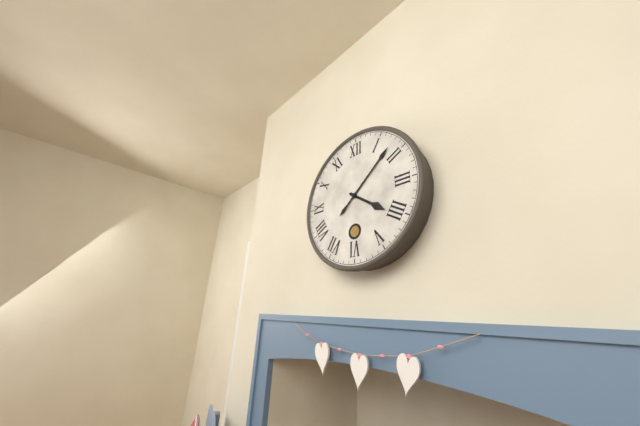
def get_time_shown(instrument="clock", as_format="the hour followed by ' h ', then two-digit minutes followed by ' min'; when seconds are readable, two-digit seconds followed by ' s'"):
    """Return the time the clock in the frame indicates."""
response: 4 h 08 min
